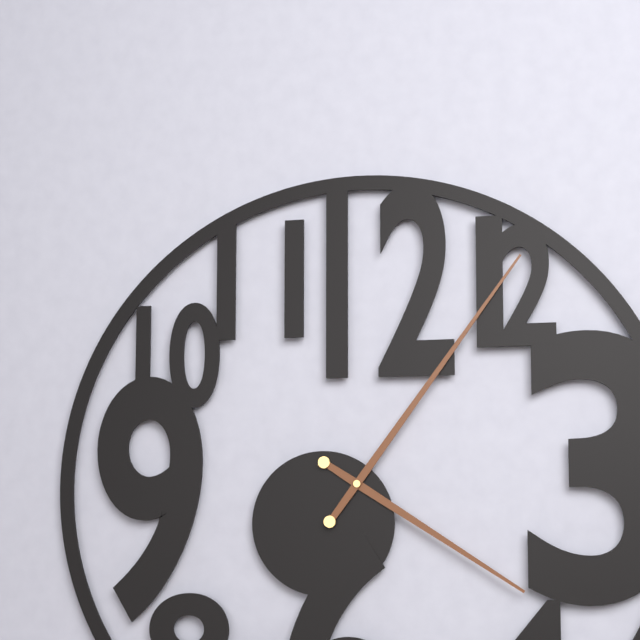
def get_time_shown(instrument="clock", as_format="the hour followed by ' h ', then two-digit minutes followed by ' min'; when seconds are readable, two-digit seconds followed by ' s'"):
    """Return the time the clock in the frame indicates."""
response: 4 h 06 min
